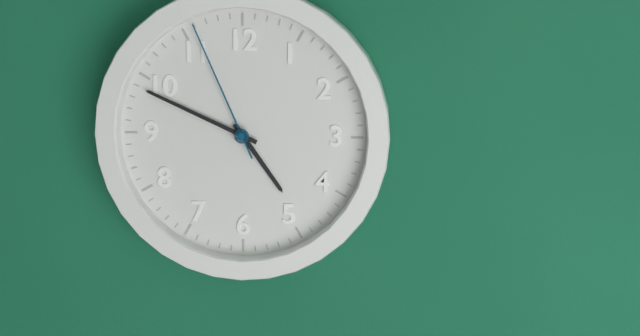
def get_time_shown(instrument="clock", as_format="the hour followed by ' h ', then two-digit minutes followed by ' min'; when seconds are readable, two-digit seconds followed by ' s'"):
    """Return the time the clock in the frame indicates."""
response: 4 h 49 min 56 s
